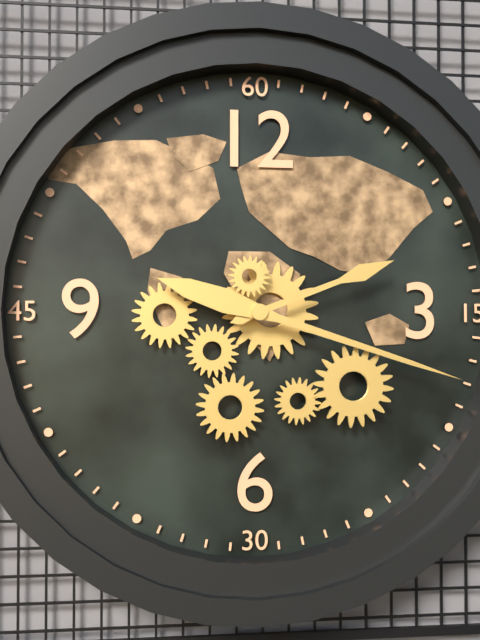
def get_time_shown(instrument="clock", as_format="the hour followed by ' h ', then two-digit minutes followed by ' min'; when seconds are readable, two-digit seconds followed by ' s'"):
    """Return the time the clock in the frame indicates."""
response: 2 h 18 min
